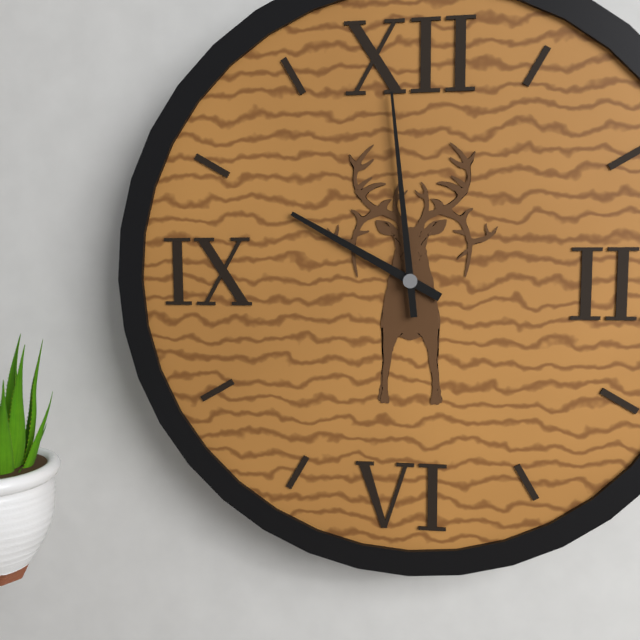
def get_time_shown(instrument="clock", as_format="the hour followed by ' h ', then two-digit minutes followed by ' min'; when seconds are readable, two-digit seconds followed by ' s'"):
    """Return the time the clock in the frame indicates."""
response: 9 h 59 min
